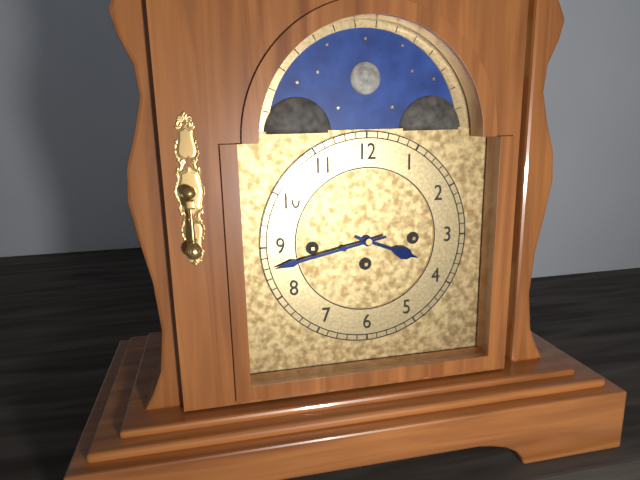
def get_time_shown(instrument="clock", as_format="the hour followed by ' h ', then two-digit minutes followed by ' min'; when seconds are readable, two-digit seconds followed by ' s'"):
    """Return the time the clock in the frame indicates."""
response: 3 h 43 min
